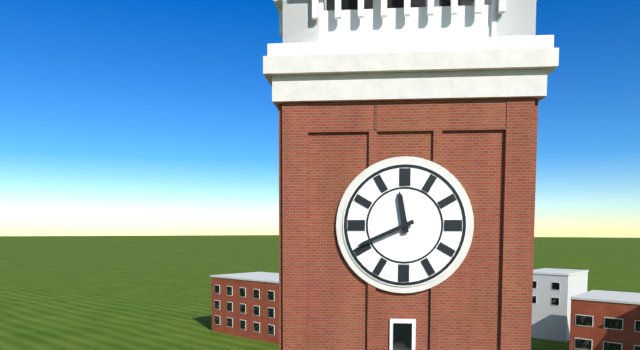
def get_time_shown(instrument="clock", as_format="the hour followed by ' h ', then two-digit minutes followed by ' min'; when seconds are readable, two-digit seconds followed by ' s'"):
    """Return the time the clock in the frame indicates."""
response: 11 h 41 min
